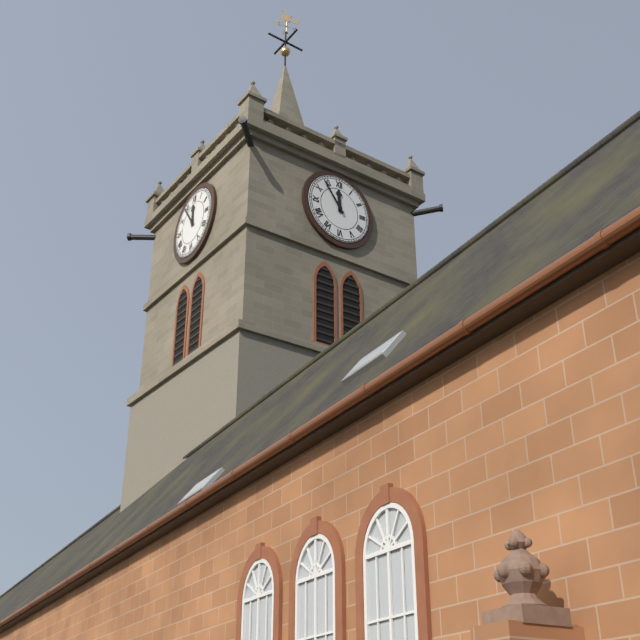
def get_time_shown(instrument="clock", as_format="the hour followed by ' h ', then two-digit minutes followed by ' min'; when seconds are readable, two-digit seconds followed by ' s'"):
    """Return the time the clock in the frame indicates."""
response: 11 h 54 min
